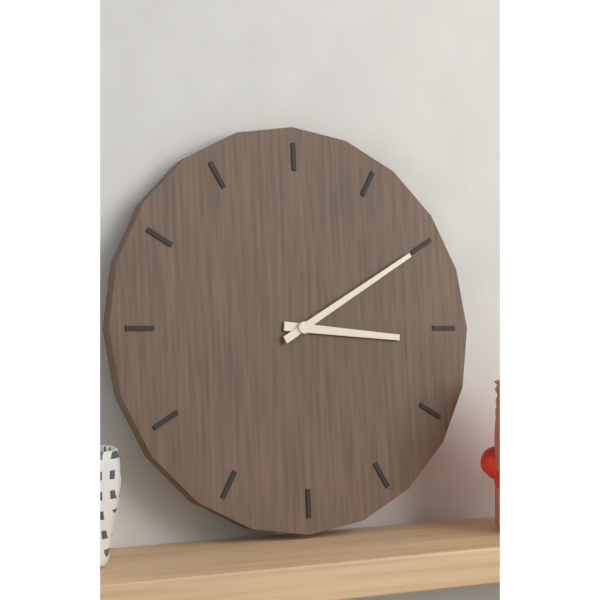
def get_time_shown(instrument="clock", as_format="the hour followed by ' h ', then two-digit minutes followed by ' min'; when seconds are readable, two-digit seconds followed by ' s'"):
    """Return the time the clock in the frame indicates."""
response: 3 h 10 min
